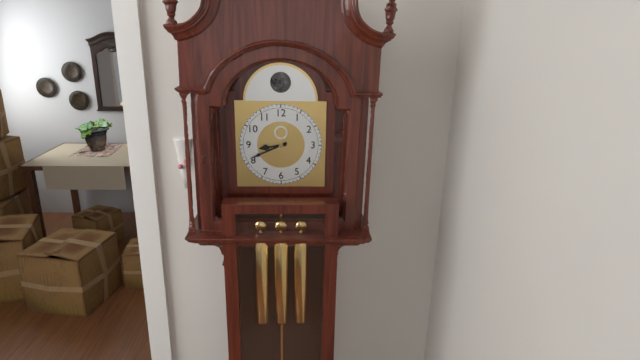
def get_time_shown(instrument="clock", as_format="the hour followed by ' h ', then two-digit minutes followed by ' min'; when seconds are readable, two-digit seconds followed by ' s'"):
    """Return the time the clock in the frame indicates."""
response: 8 h 41 min
